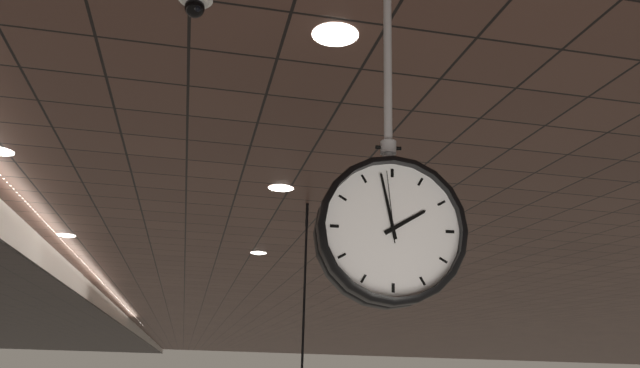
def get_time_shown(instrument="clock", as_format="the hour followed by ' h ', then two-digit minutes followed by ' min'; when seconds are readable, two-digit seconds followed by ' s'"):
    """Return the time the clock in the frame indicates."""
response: 1 h 58 min 59 s
